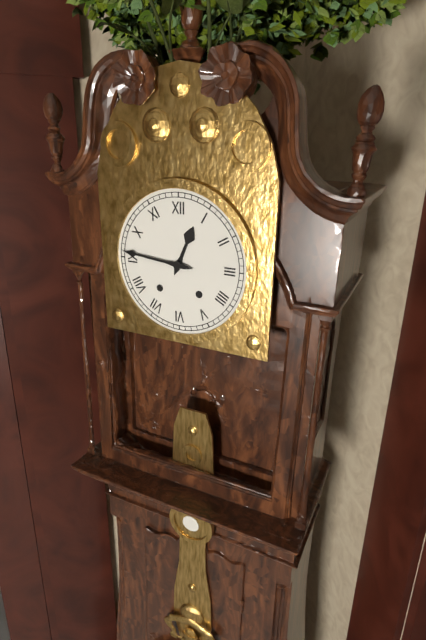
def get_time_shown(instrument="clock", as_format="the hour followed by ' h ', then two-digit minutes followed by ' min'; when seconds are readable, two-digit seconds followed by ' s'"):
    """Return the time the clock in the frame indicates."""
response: 12 h 46 min
